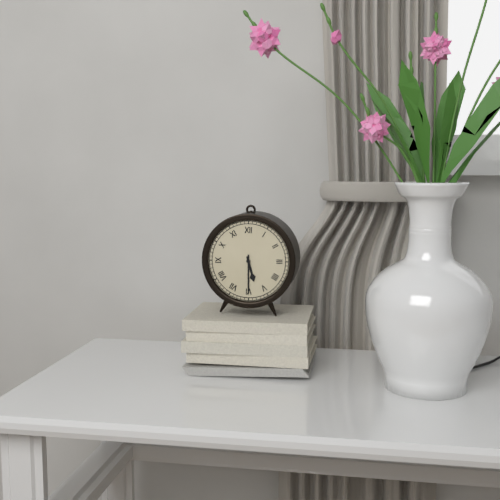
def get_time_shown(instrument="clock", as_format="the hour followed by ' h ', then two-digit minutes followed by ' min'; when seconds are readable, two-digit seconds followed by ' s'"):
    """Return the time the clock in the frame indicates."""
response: 5 h 30 min
